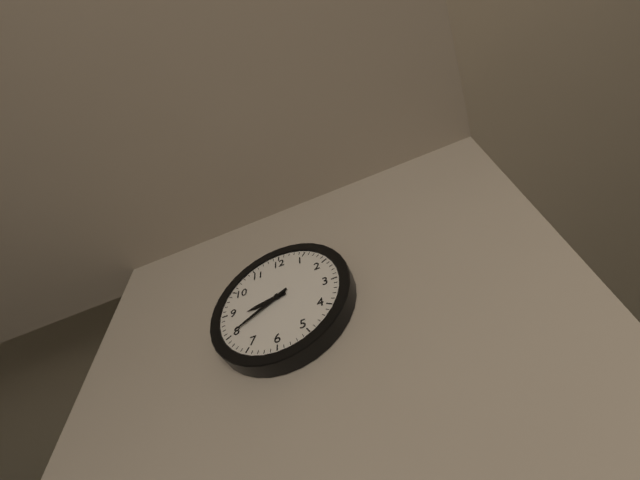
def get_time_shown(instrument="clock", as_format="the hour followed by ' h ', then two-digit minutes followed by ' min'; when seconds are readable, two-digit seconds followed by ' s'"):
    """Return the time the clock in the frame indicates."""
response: 8 h 40 min
